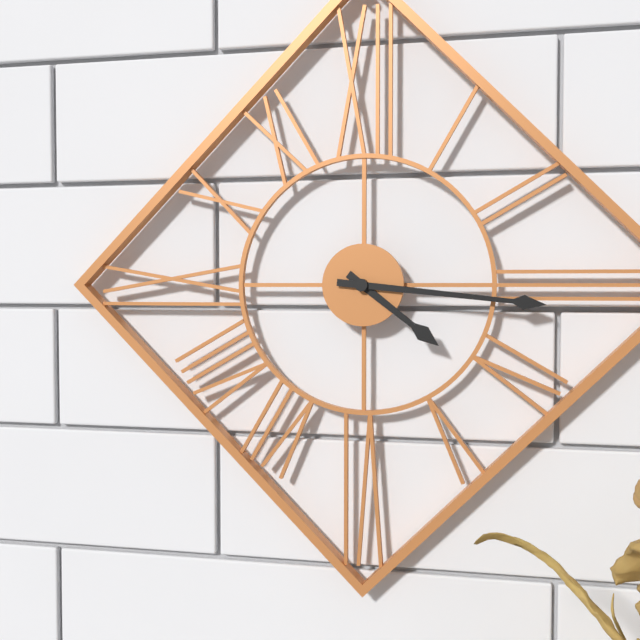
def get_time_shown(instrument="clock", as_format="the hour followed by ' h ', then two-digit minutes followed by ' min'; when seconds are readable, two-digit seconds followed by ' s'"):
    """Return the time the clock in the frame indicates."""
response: 4 h 16 min
